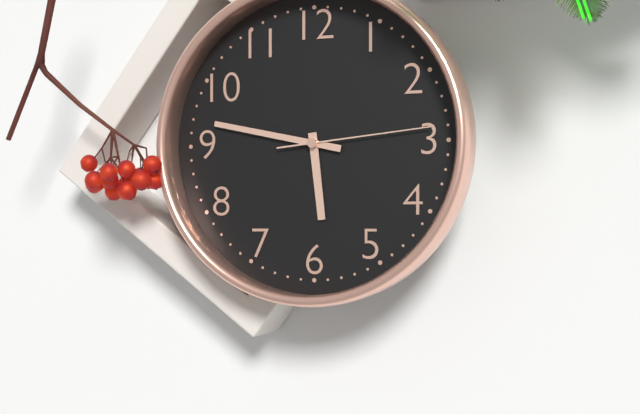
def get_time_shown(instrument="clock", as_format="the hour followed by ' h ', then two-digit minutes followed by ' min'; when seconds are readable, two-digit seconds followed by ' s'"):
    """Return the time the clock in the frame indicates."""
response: 5 h 47 min 14 s
